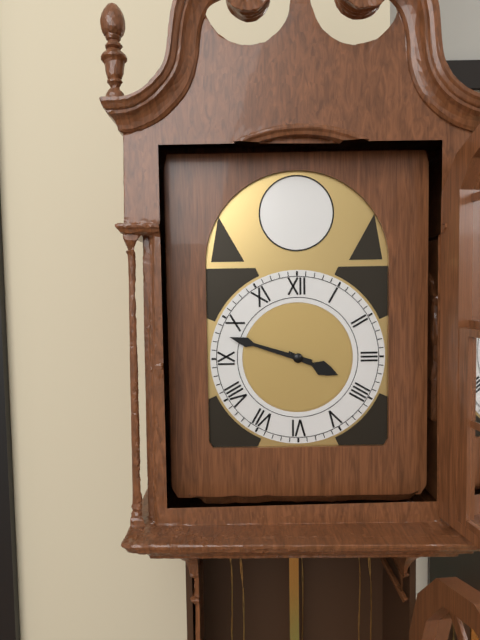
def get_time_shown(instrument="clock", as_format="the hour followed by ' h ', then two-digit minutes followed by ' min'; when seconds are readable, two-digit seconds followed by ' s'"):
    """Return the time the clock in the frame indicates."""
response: 3 h 48 min
